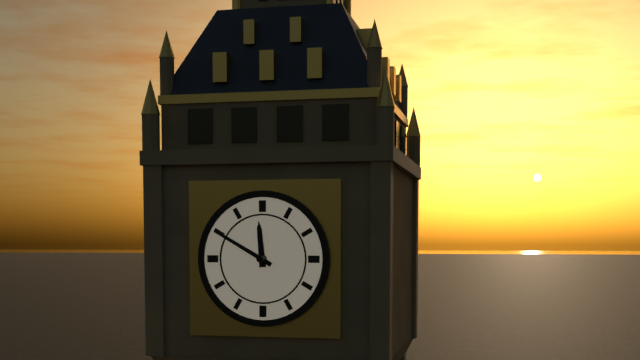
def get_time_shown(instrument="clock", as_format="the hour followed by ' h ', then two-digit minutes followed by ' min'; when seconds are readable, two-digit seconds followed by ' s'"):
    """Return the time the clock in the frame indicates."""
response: 11 h 50 min
